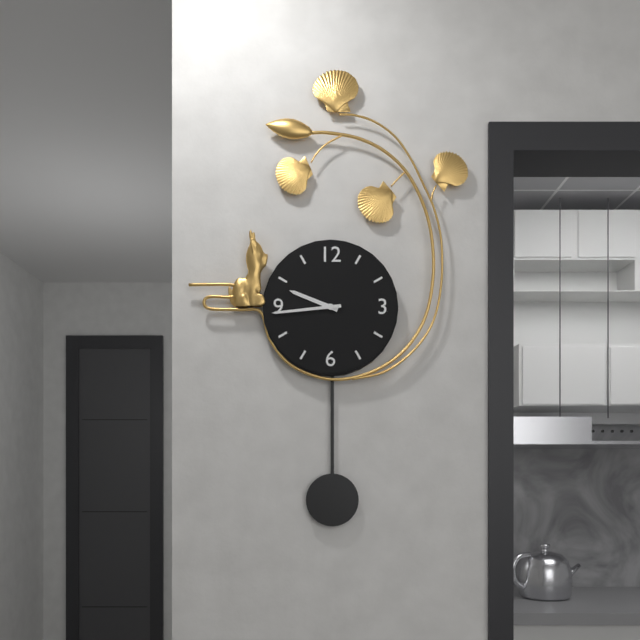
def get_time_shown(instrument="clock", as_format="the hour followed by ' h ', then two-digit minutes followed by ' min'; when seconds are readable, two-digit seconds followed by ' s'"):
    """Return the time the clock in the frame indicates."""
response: 9 h 44 min
